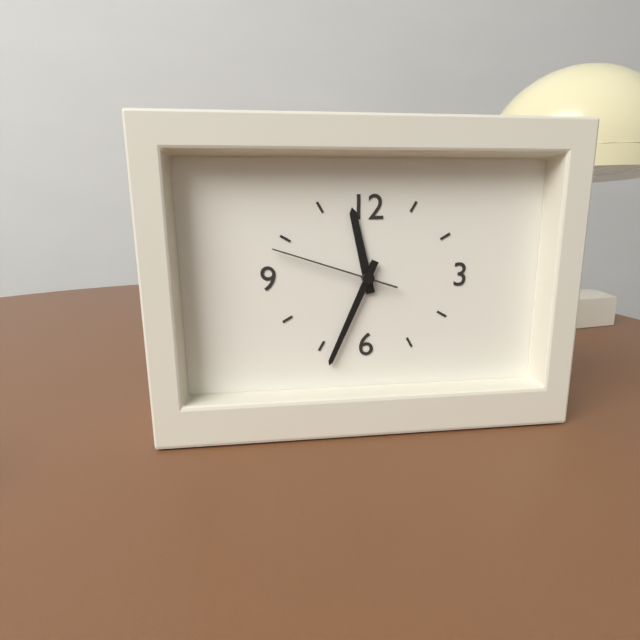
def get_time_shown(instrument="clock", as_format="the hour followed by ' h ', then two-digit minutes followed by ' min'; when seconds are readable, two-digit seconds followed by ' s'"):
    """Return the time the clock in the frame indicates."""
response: 11 h 34 min 48 s
